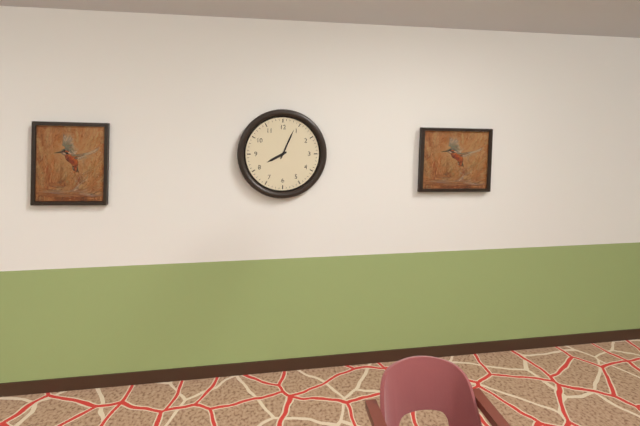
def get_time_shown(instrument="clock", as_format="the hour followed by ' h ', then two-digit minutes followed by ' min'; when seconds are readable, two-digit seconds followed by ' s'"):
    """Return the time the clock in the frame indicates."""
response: 8 h 04 min
